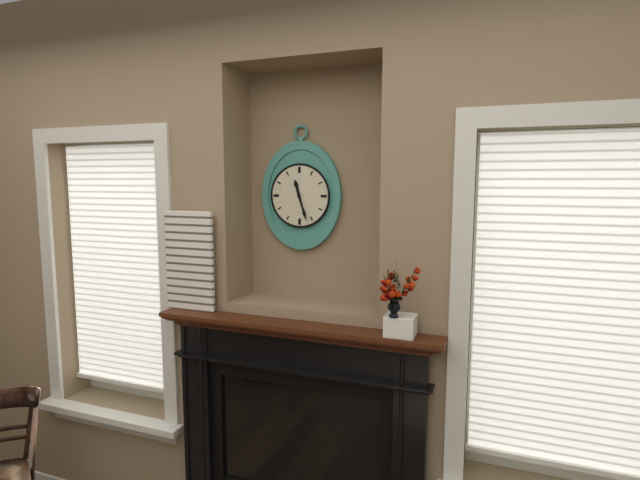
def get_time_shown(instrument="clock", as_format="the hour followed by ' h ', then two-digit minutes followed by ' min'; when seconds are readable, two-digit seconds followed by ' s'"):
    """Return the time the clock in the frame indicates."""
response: 11 h 27 min
